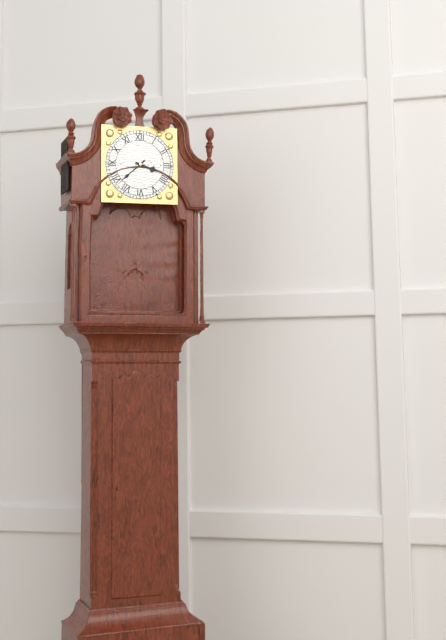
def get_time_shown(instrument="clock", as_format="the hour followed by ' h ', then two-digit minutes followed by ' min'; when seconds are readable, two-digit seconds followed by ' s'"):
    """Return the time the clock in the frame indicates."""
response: 3 h 38 min
